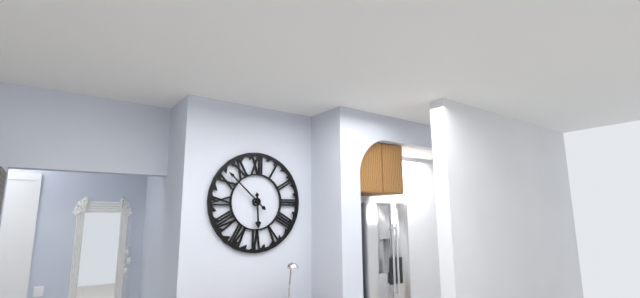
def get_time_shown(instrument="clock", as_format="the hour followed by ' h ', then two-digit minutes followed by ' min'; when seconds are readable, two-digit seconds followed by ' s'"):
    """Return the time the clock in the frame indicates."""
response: 5 h 52 min
